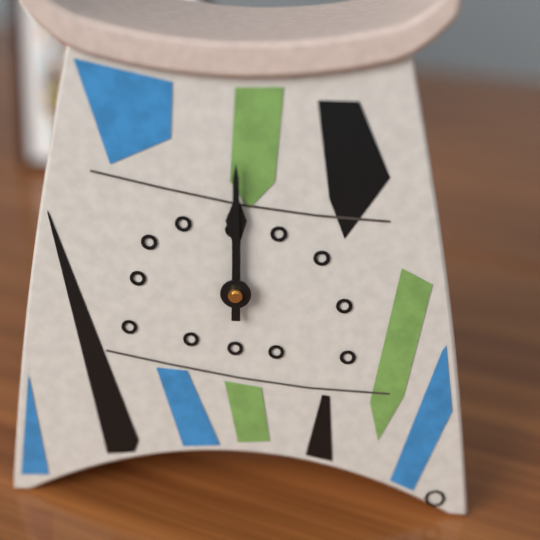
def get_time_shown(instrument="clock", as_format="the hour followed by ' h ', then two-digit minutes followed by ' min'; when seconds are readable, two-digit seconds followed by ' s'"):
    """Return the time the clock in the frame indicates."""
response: 12 h 00 min
